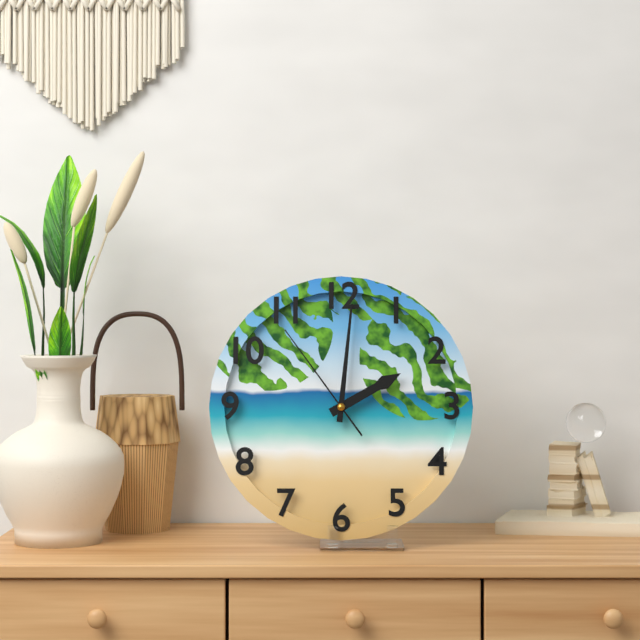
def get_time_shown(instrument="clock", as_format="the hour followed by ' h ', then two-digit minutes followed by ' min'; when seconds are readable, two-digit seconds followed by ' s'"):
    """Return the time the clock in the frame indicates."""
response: 2 h 01 min 54 s
